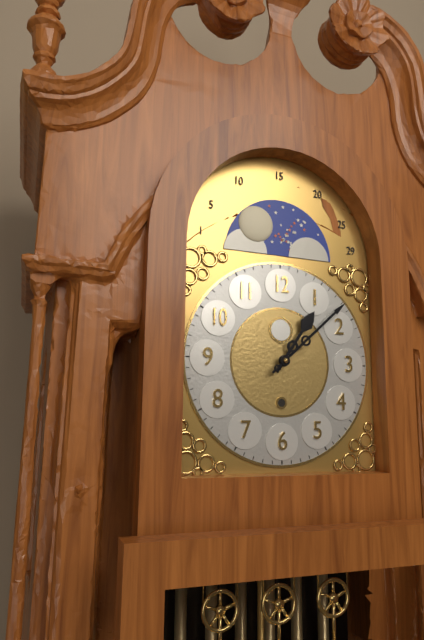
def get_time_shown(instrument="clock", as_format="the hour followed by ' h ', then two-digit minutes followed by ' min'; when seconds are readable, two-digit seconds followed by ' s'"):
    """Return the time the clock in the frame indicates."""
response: 1 h 08 min
